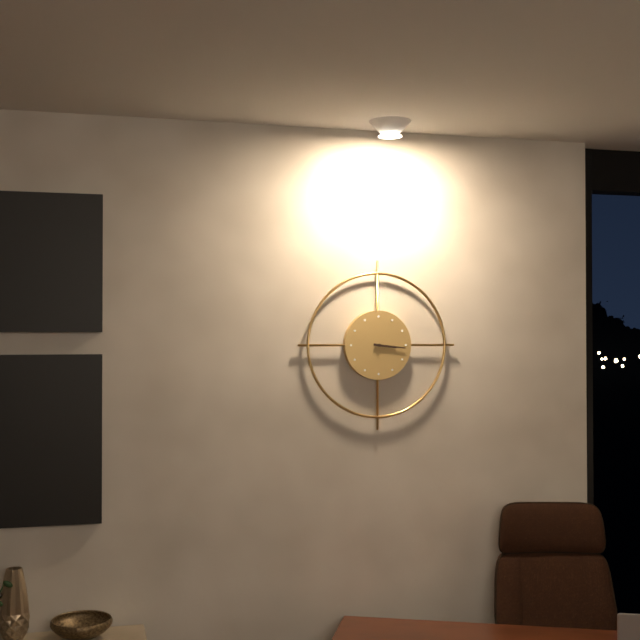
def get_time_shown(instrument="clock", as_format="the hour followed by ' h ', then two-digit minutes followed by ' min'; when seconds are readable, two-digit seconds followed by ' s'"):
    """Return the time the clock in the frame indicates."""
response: 3 h 16 min
